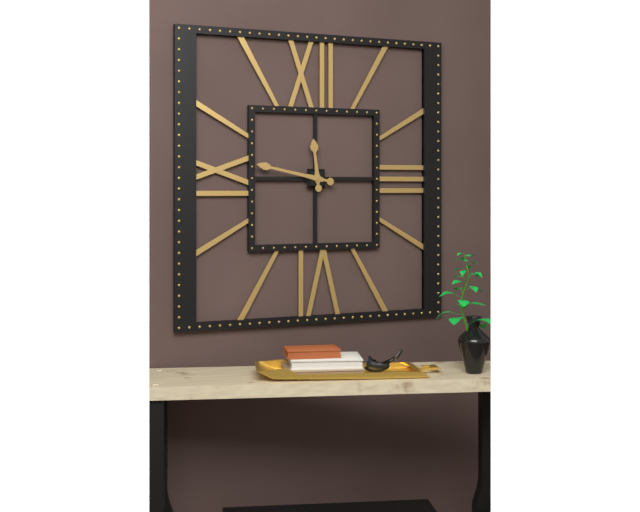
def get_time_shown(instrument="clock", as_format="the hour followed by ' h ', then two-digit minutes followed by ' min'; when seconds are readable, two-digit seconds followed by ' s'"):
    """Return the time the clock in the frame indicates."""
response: 11 h 47 min
